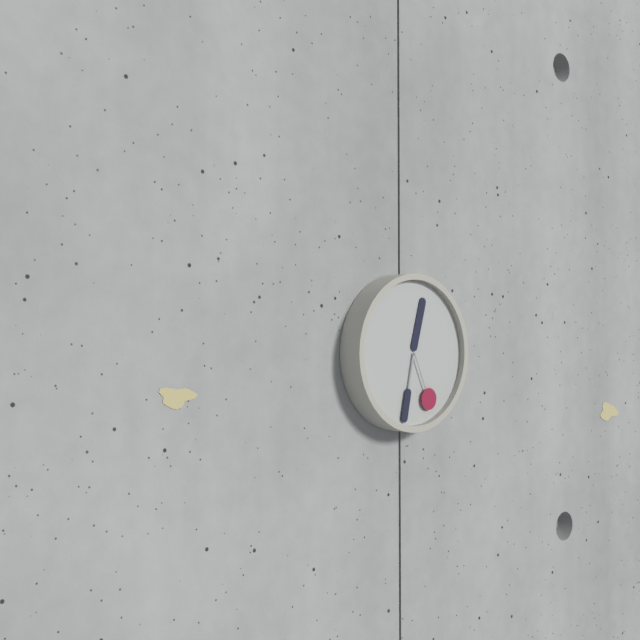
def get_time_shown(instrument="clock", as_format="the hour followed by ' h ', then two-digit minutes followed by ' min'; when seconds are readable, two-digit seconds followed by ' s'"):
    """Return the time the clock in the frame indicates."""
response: 12 h 32 min 26 s
